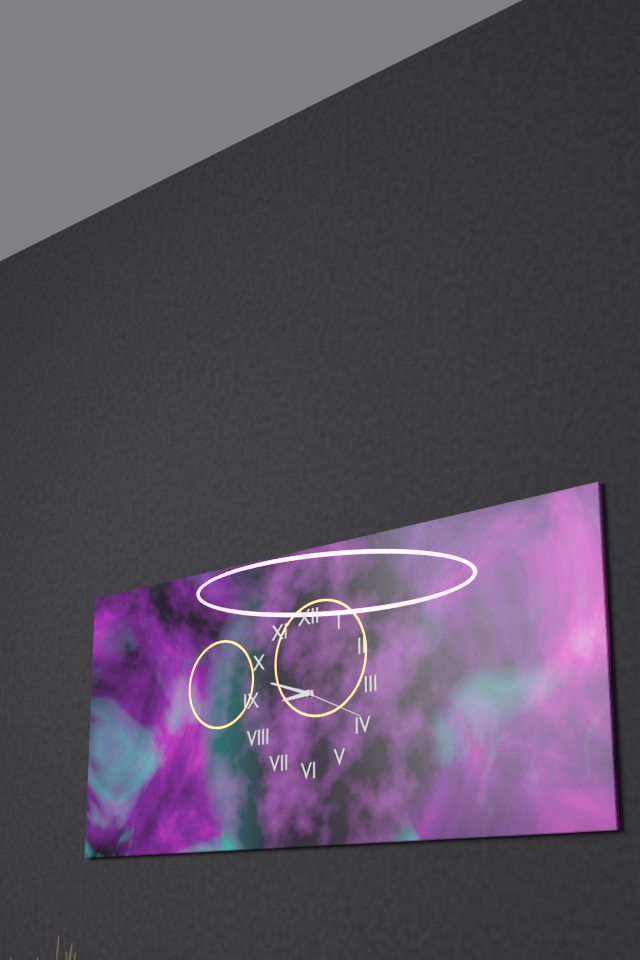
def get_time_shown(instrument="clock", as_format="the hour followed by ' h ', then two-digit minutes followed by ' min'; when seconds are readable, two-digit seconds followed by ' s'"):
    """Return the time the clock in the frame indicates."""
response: 8 h 48 min 19 s
